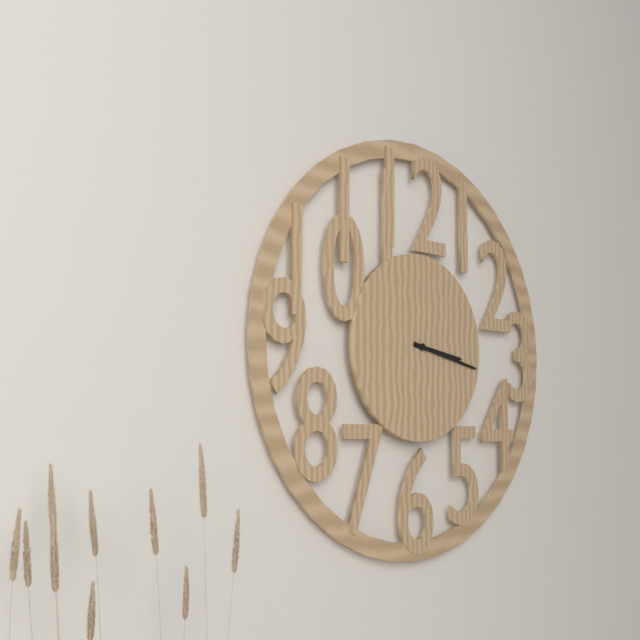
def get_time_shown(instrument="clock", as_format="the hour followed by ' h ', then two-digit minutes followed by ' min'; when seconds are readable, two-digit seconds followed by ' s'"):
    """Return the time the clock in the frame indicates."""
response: 3 h 17 min
